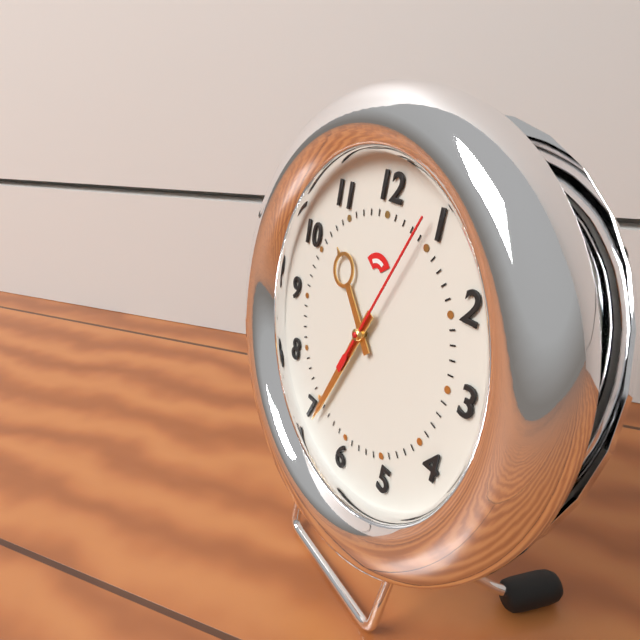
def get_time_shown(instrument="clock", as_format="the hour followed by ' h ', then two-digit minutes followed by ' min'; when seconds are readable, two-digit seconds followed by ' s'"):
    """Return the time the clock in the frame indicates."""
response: 10 h 34 min 04 s
